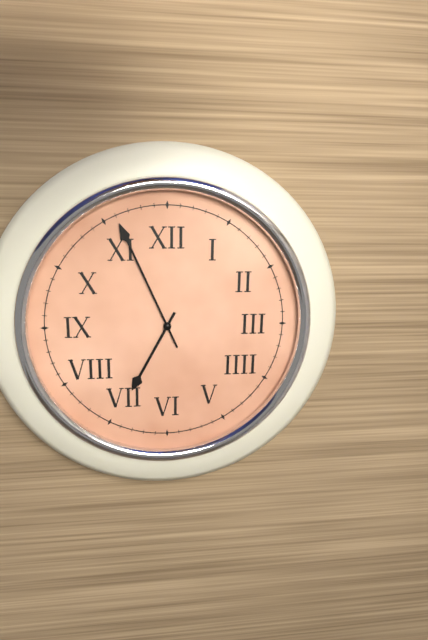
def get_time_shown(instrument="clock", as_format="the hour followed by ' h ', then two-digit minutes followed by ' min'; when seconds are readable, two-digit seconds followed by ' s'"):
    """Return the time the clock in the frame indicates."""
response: 6 h 56 min
